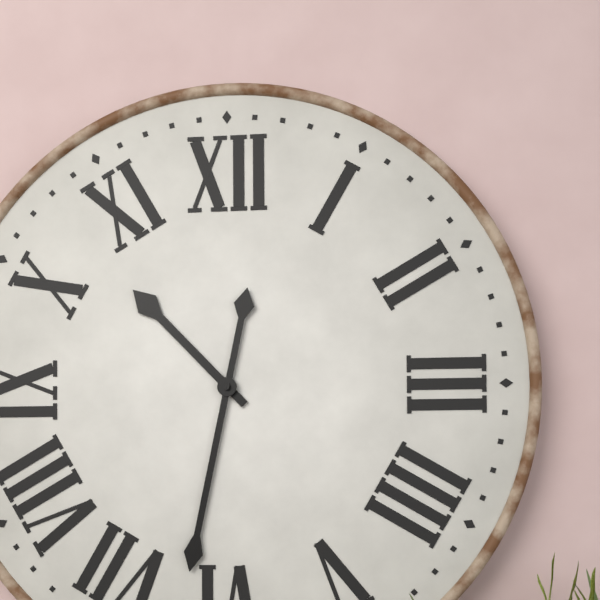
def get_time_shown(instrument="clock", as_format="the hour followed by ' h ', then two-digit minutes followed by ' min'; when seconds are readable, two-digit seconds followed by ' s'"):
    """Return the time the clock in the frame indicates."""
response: 10 h 32 min
